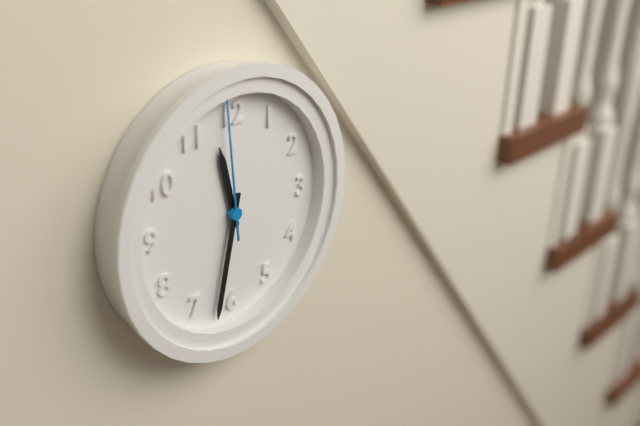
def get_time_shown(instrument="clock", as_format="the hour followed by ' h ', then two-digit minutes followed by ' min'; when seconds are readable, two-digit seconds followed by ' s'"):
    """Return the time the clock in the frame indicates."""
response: 11 h 32 min 59 s
